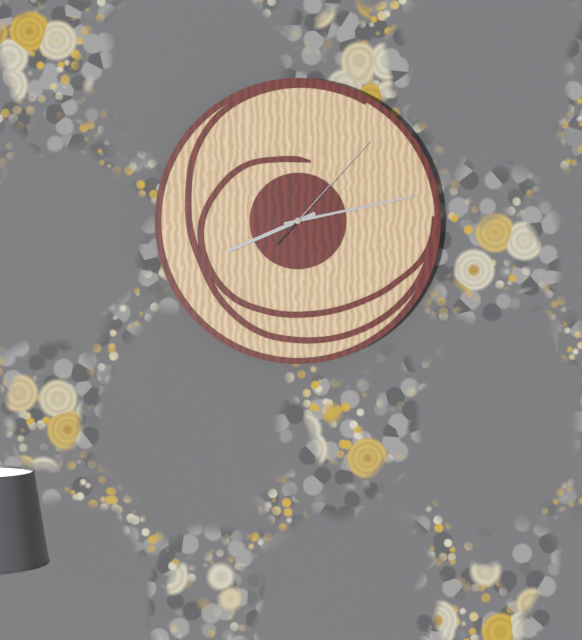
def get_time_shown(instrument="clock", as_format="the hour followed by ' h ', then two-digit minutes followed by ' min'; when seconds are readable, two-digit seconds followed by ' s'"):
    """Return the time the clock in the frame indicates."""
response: 8 h 13 min 07 s
